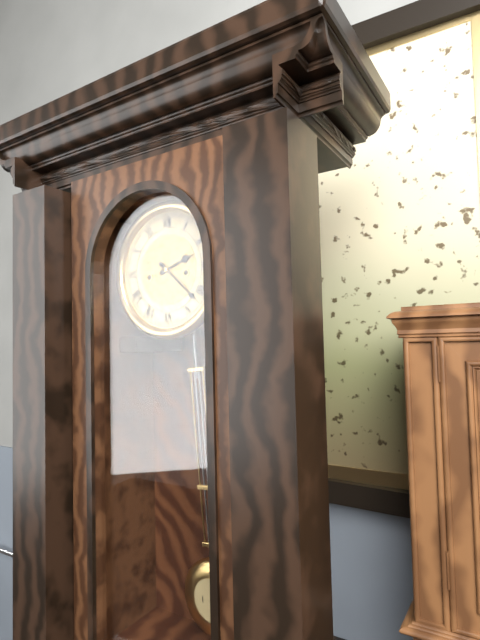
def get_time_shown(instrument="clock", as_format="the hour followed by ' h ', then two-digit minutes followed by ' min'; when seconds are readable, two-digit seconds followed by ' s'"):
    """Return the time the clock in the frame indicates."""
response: 2 h 22 min
